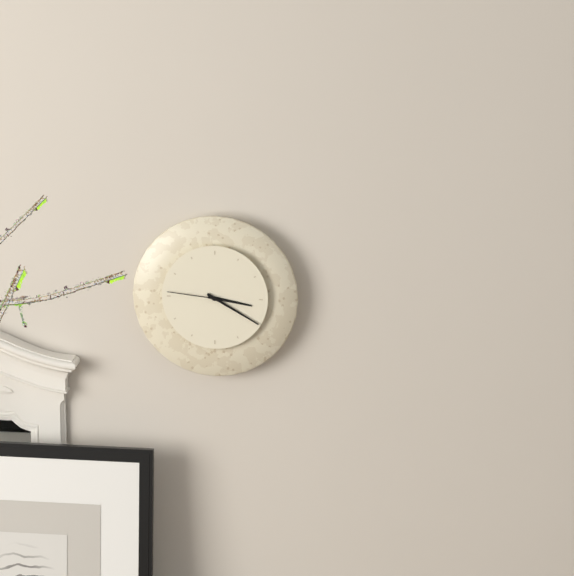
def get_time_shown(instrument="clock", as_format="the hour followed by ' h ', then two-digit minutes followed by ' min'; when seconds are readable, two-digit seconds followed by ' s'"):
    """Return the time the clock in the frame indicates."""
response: 3 h 20 min 46 s
